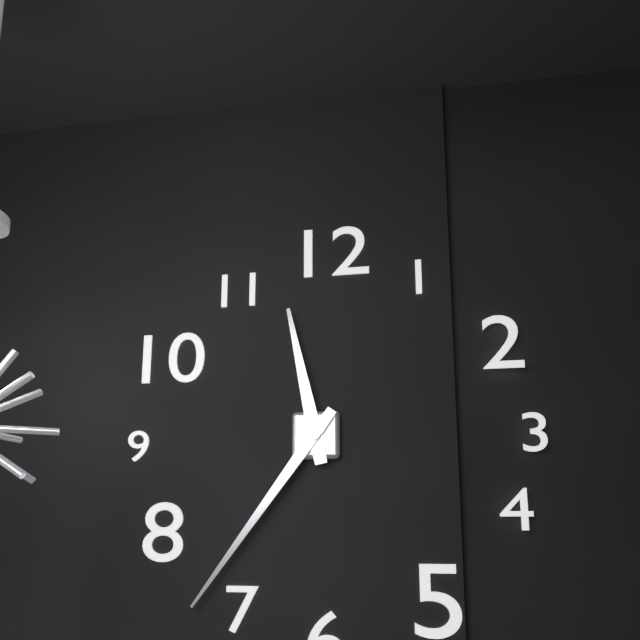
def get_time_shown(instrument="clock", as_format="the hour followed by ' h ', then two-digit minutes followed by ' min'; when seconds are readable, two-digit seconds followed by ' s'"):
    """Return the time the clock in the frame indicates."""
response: 11 h 36 min
